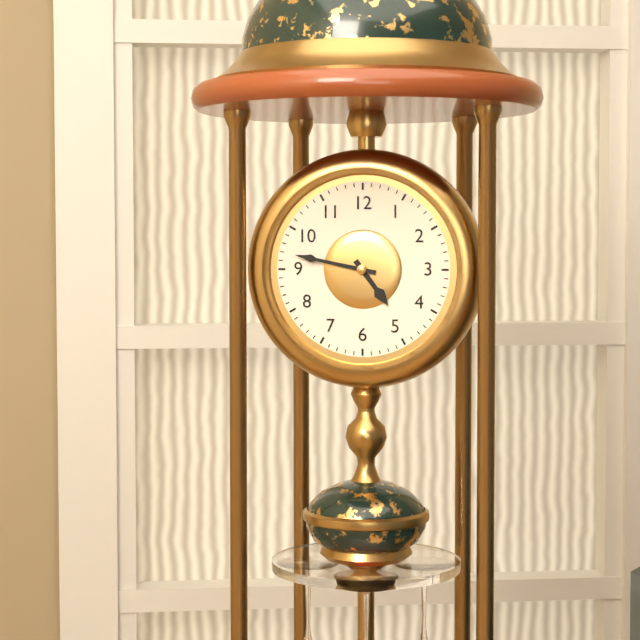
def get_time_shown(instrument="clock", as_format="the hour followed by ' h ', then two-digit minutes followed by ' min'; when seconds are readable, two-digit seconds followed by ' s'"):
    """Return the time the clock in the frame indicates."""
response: 4 h 47 min
